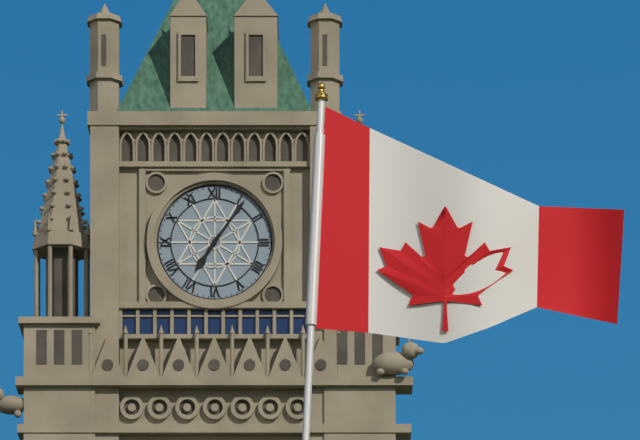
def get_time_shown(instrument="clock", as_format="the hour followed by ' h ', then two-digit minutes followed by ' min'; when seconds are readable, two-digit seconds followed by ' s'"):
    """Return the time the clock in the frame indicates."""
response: 7 h 06 min
